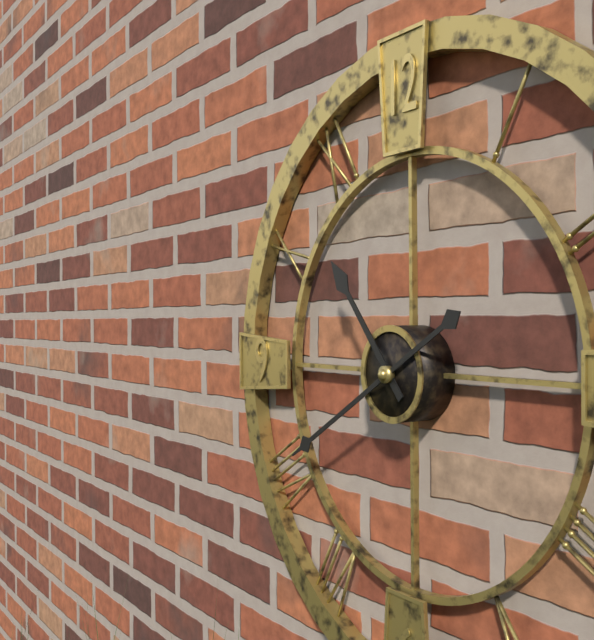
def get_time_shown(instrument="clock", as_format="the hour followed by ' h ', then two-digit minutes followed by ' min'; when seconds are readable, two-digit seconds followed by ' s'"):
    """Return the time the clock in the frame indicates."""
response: 10 h 40 min
